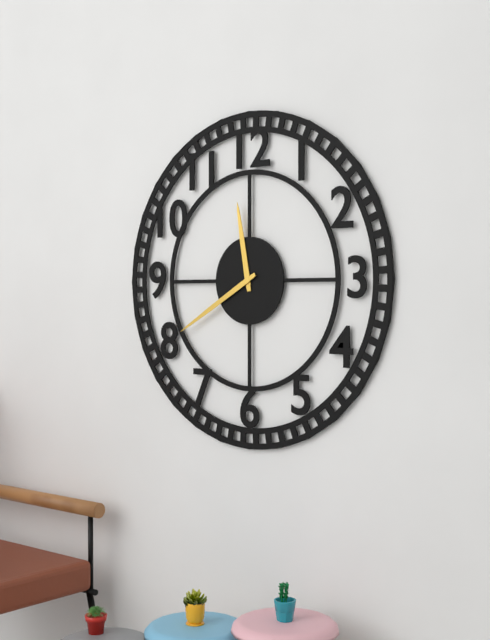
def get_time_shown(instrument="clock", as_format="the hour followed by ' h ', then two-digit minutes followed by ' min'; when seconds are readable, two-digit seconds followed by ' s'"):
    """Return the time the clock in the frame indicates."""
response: 11 h 40 min
